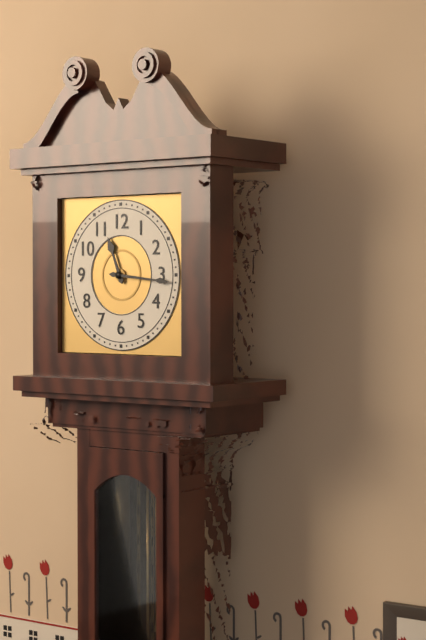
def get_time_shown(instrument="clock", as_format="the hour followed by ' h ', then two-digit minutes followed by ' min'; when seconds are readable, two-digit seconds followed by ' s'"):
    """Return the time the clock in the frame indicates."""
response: 11 h 16 min
